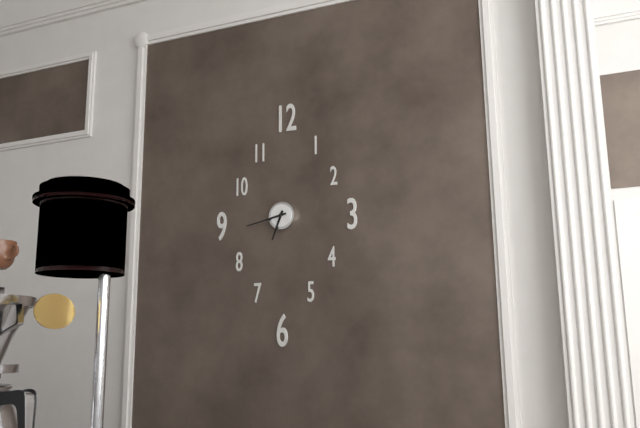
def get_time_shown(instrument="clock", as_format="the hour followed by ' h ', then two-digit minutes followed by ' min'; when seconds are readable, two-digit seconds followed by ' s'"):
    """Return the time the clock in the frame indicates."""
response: 6 h 43 min
